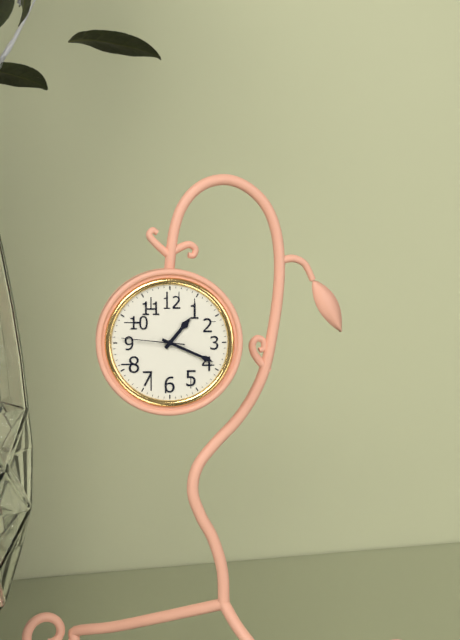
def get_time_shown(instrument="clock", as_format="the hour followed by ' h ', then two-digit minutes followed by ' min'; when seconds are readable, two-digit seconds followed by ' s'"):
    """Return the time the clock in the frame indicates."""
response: 1 h 19 min 46 s
